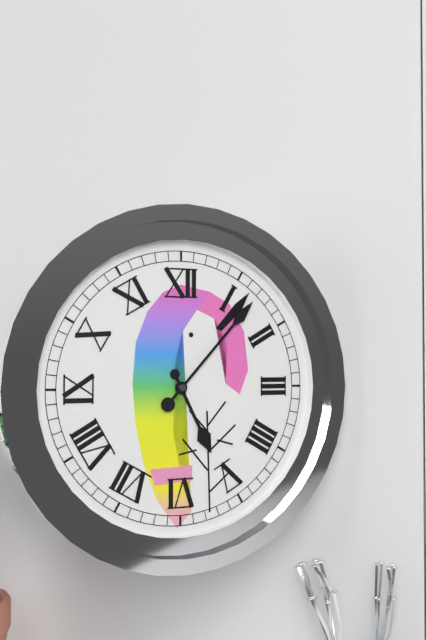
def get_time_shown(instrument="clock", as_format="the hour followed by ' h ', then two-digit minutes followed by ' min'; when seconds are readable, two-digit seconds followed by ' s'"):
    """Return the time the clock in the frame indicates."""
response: 5 h 07 min
